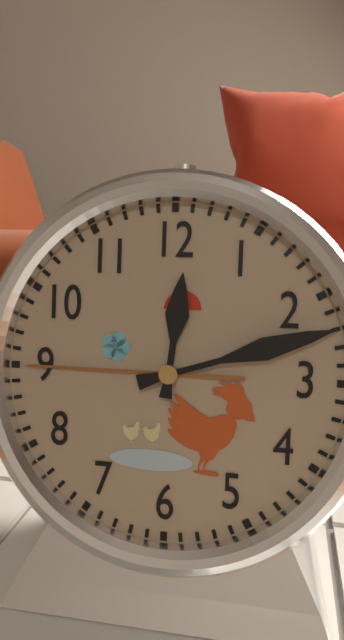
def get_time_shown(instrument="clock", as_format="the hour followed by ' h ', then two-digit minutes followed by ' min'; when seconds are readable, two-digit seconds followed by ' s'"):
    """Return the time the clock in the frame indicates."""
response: 12 h 12 min
